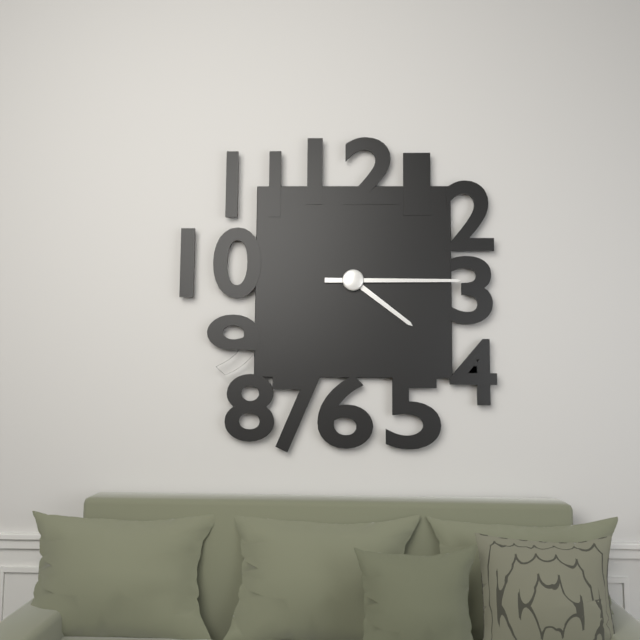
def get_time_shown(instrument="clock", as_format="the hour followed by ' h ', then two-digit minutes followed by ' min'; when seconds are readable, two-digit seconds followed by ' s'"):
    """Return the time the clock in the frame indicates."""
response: 4 h 15 min
